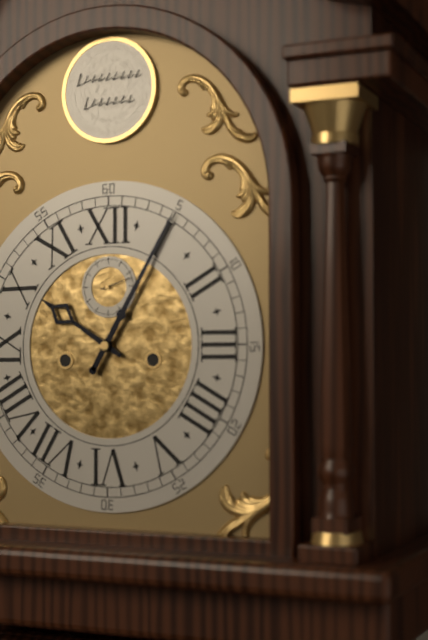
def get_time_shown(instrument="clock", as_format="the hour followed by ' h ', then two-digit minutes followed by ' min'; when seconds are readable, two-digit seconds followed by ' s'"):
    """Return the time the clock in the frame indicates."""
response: 10 h 05 min 12 s
